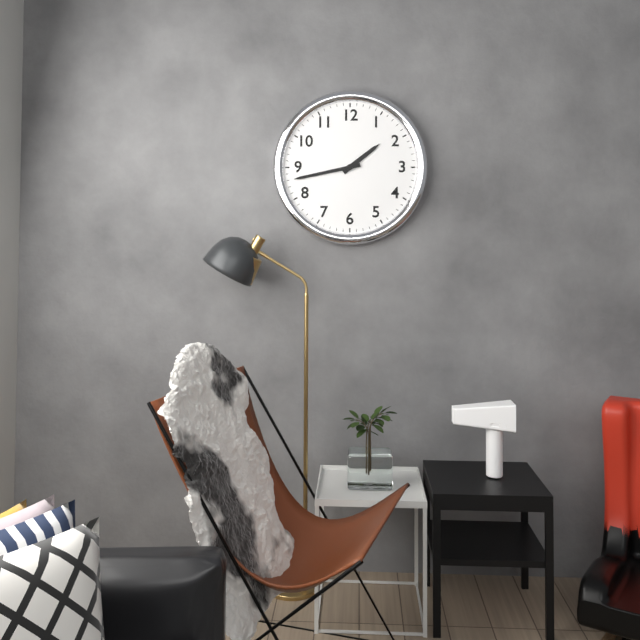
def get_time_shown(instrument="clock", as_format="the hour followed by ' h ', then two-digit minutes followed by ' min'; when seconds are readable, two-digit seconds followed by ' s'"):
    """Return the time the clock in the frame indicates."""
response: 1 h 43 min
